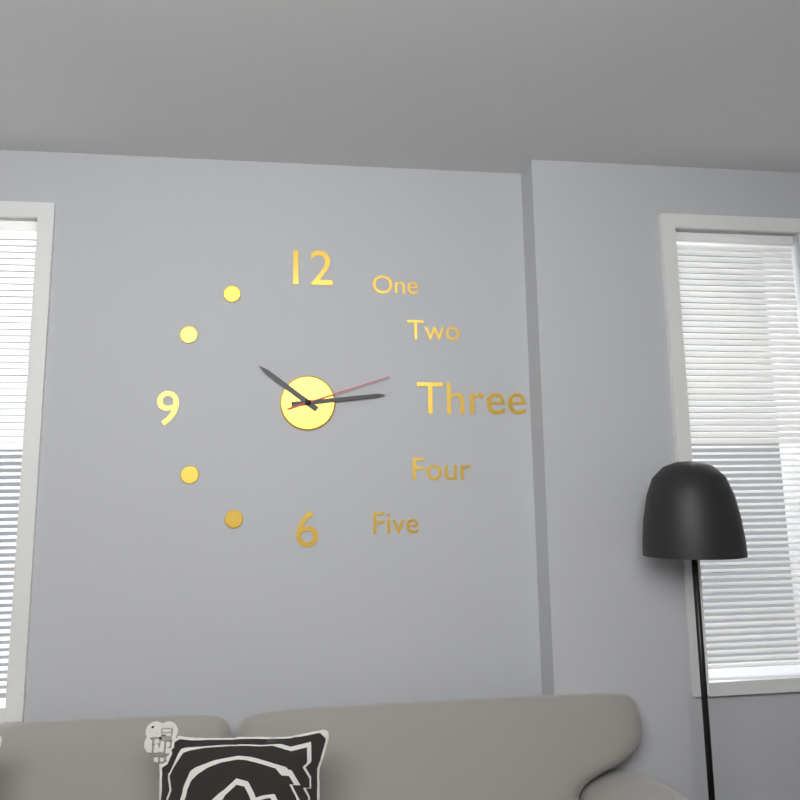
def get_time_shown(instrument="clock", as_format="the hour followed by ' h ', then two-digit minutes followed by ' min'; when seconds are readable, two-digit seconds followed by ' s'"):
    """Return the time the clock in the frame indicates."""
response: 10 h 14 min 12 s
